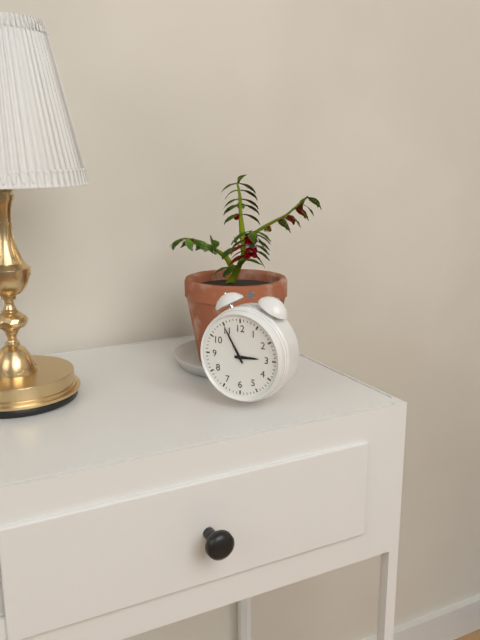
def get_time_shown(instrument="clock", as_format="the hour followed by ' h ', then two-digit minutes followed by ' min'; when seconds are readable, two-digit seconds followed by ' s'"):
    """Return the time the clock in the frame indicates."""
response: 2 h 55 min
